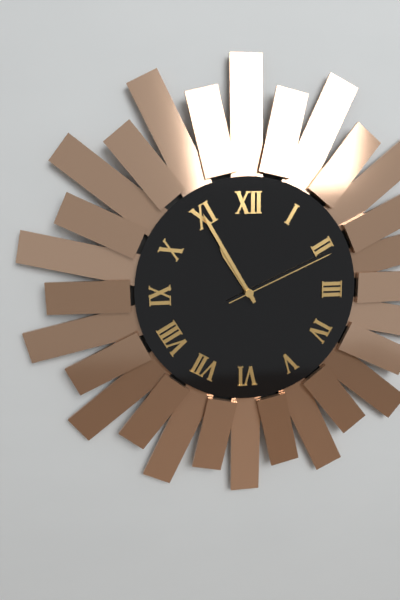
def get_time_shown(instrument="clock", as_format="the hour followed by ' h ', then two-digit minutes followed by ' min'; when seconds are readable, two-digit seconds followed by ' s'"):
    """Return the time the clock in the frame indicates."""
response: 10 h 55 min 11 s
